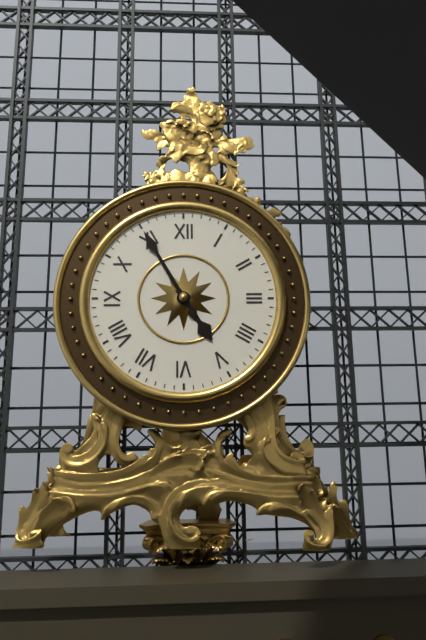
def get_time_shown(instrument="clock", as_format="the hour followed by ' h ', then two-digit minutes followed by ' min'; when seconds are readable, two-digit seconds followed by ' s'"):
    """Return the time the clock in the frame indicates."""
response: 4 h 55 min
